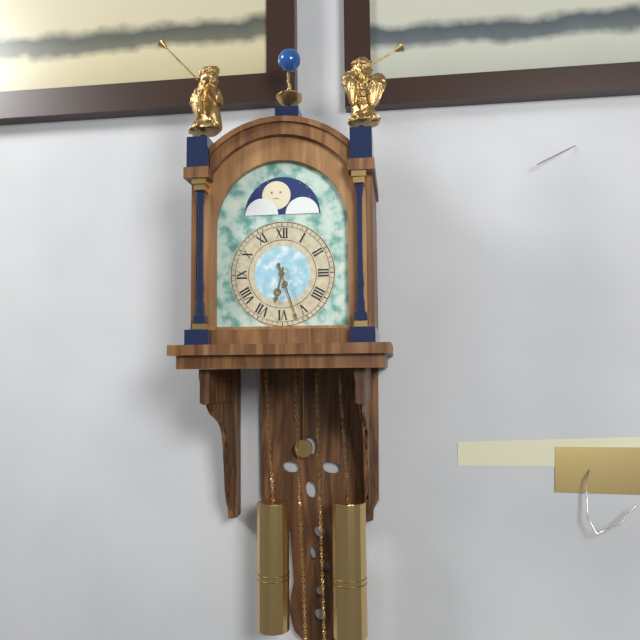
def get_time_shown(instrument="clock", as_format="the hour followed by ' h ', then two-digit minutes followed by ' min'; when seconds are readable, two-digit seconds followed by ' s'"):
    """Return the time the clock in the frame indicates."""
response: 6 h 27 min
